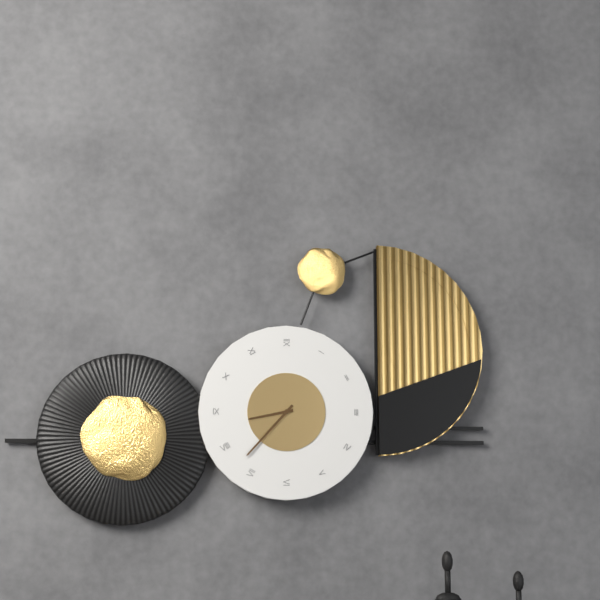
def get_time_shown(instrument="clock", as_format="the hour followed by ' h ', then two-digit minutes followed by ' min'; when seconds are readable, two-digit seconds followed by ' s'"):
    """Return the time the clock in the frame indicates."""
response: 8 h 37 min
